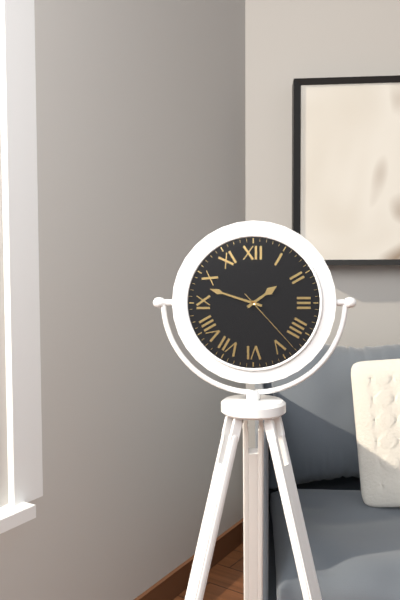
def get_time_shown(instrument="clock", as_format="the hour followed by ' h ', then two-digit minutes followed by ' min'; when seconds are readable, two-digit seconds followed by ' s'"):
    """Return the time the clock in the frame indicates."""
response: 1 h 48 min 23 s
